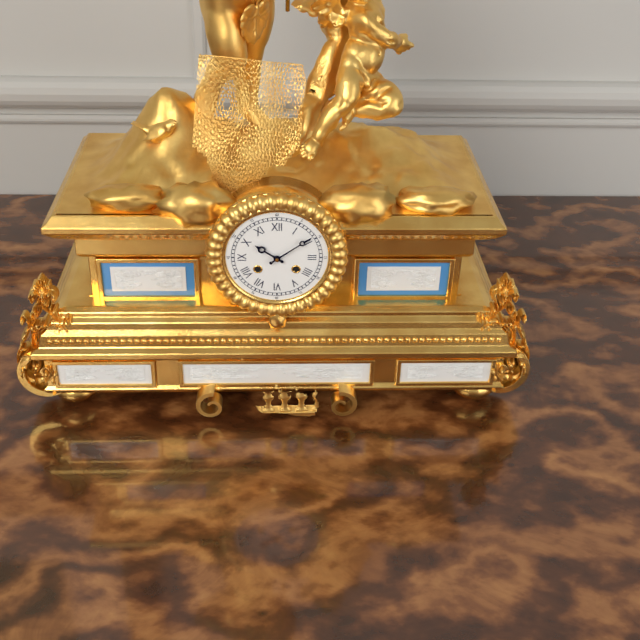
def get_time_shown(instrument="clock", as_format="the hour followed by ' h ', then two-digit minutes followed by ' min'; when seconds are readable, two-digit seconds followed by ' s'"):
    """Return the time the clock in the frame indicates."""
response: 10 h 09 min
